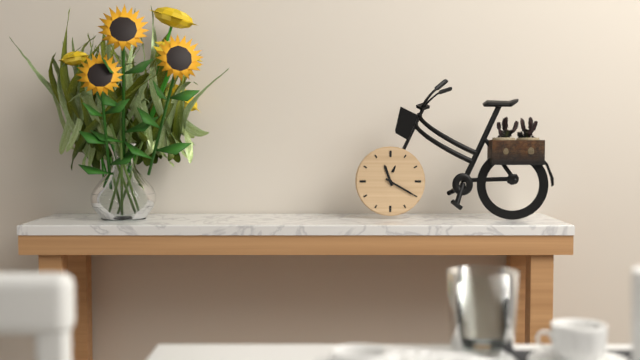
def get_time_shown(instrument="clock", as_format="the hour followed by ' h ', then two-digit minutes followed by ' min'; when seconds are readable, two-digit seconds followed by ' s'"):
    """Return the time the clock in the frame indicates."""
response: 11 h 20 min
